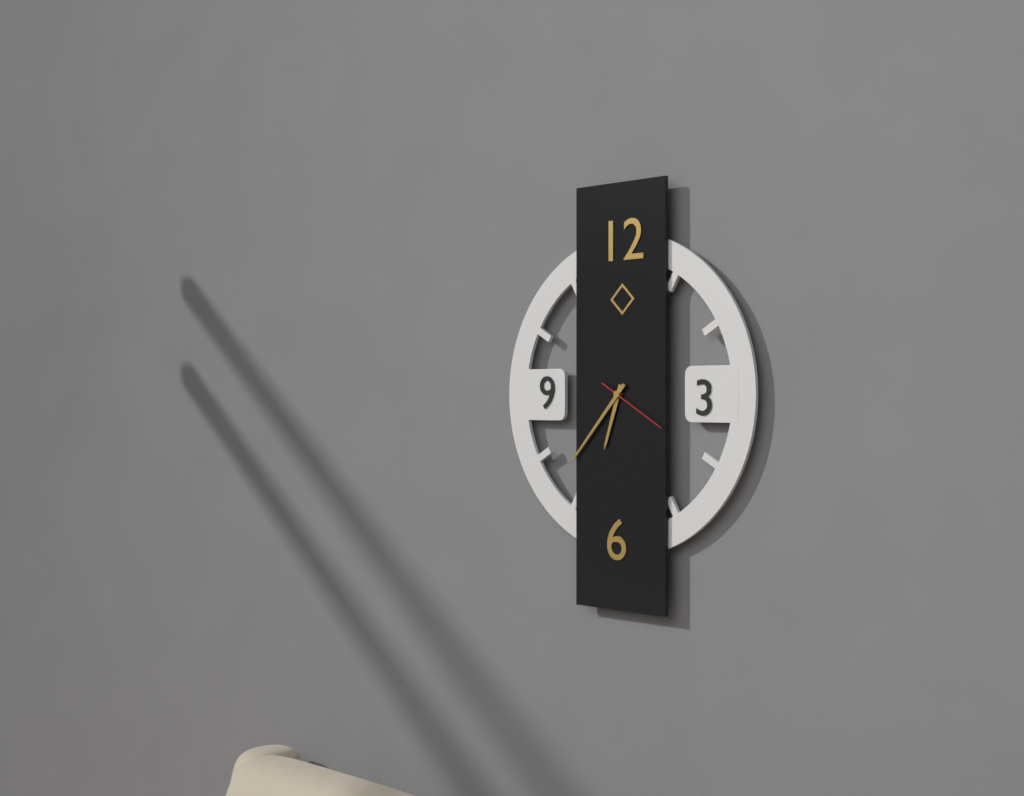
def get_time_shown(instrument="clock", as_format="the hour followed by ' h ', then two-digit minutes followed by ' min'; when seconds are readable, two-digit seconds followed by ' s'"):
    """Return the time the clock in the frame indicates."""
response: 6 h 37 min 20 s
